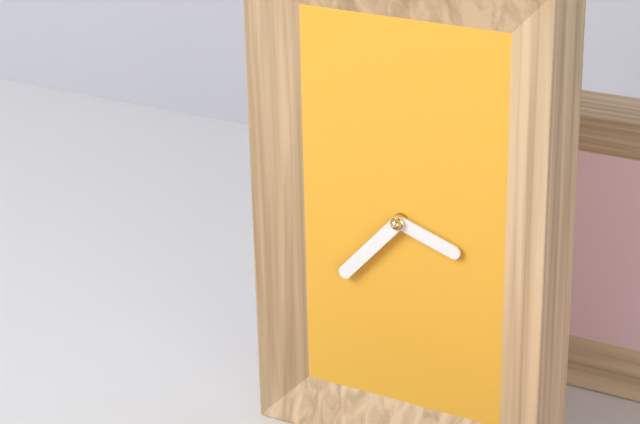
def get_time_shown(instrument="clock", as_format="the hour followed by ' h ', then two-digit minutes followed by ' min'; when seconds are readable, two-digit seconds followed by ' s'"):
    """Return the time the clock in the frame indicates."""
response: 3 h 37 min
